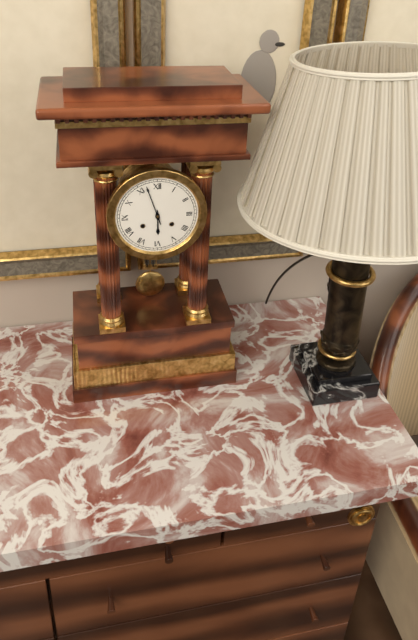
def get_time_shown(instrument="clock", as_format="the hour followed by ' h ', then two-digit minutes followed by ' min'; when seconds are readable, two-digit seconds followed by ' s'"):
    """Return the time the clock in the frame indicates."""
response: 5 h 57 min
